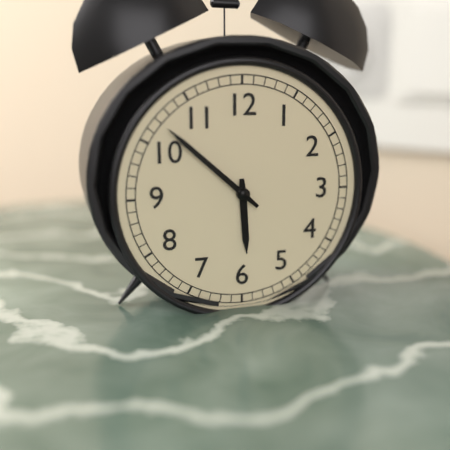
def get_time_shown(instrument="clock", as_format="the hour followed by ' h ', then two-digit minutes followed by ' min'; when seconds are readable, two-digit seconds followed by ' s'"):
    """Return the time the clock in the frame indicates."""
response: 5 h 52 min
